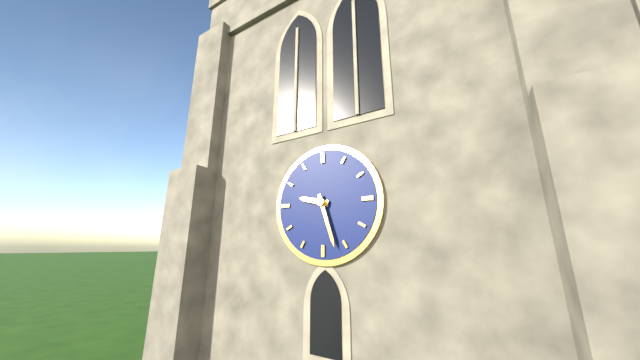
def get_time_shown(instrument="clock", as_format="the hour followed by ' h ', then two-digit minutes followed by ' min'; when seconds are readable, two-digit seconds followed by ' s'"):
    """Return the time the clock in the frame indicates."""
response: 9 h 27 min
